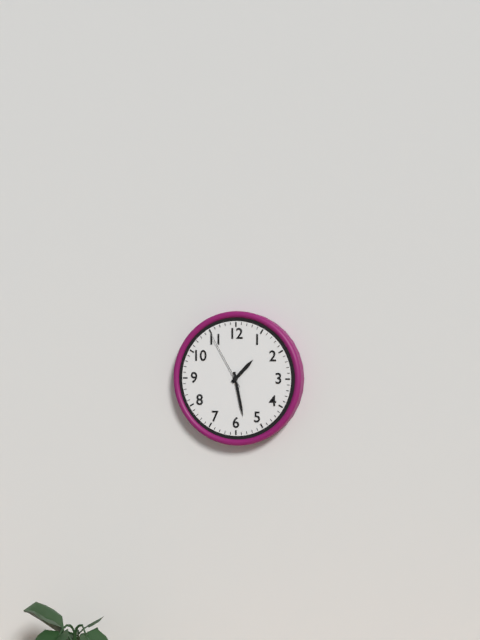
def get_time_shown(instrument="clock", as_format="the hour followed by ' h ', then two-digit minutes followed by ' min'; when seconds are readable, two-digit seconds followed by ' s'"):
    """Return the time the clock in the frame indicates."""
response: 1 h 28 min 55 s
